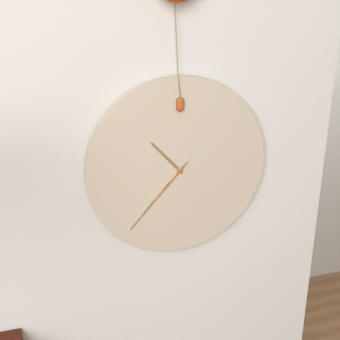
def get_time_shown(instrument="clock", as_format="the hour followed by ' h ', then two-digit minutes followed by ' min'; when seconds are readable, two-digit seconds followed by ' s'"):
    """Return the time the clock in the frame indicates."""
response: 10 h 37 min 37 s
